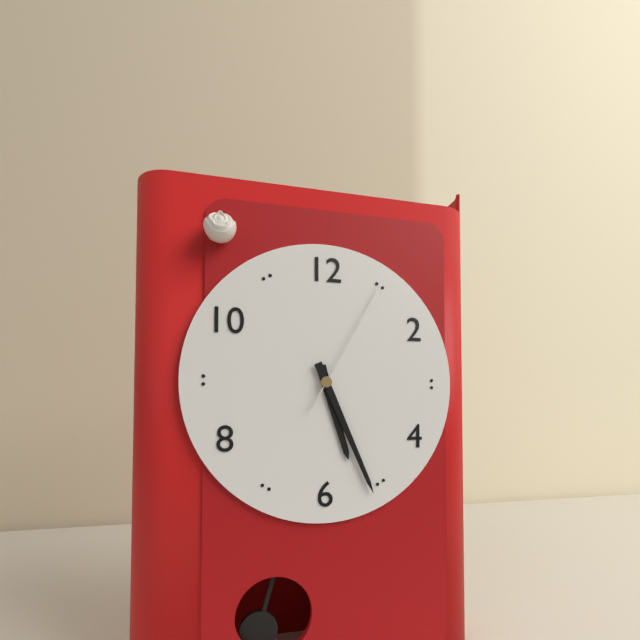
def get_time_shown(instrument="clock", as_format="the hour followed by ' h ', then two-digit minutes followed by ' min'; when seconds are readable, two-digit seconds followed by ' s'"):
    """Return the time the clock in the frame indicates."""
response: 5 h 26 min 05 s
